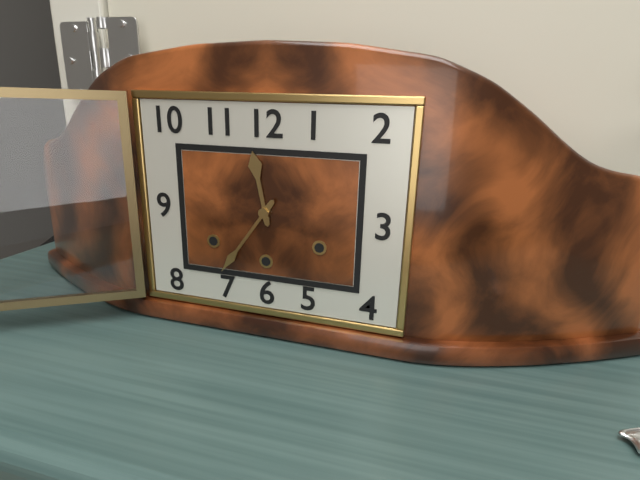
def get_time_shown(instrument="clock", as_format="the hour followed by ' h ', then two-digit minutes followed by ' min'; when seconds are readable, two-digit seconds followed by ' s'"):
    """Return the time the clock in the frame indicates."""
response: 11 h 36 min
